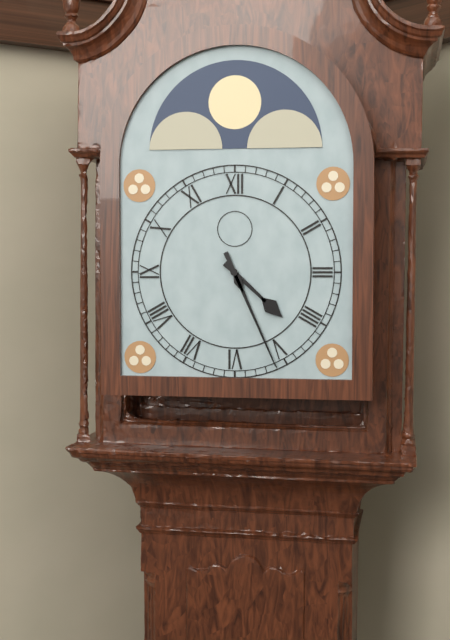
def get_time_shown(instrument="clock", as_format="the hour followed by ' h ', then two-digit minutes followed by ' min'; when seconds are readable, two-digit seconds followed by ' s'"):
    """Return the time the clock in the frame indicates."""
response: 4 h 26 min
